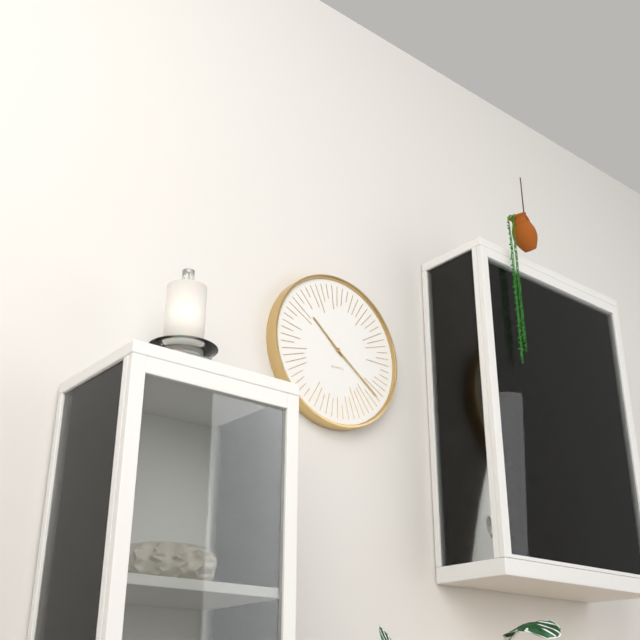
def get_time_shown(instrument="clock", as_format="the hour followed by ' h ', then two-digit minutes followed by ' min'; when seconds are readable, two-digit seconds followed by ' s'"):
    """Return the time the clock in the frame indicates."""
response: 10 h 21 min
